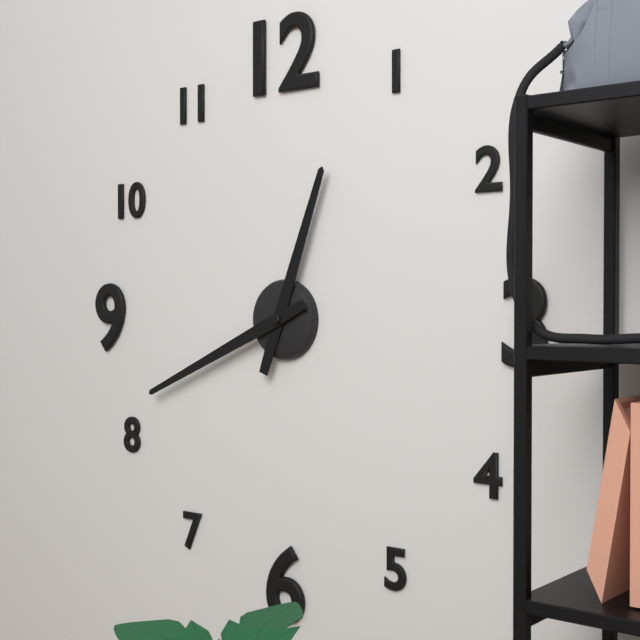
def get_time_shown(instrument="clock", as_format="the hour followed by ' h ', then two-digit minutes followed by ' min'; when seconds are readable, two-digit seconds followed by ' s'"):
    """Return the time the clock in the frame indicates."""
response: 12 h 41 min
